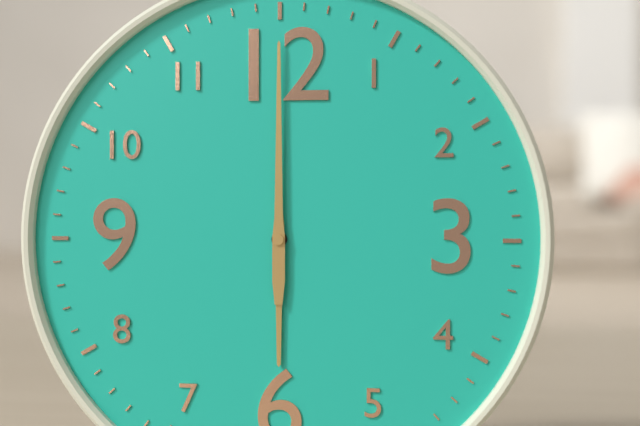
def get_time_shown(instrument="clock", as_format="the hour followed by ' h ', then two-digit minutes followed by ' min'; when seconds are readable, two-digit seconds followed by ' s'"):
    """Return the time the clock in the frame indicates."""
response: 6 h 00 min
